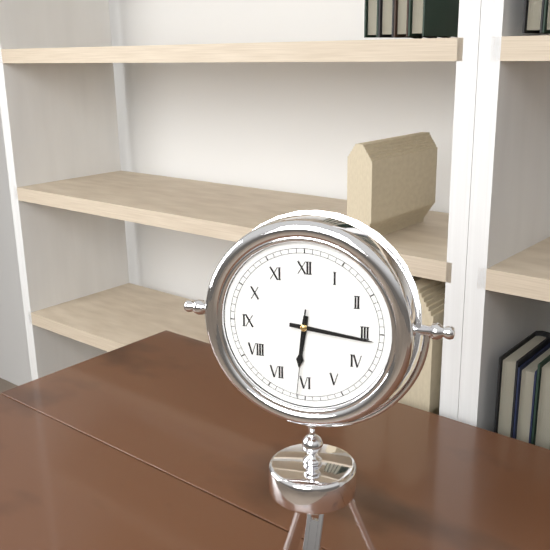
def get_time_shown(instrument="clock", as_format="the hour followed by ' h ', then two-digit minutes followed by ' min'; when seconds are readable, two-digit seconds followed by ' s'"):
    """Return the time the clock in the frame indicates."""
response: 6 h 16 min 31 s
